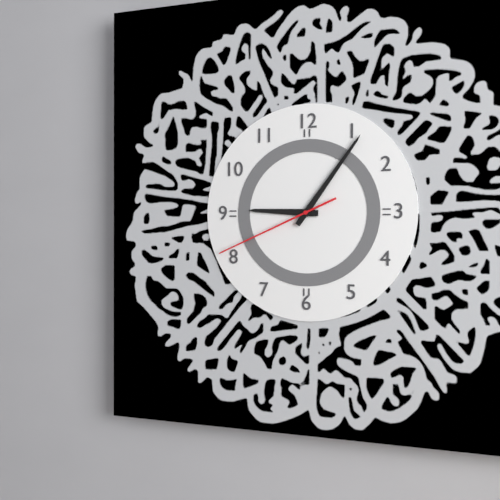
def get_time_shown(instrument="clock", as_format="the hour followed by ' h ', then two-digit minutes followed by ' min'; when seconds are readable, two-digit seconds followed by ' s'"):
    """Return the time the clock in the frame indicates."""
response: 9 h 06 min 41 s
